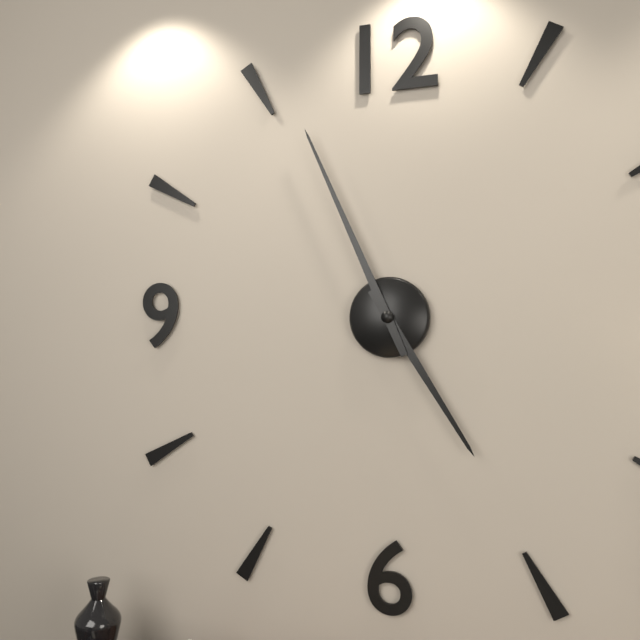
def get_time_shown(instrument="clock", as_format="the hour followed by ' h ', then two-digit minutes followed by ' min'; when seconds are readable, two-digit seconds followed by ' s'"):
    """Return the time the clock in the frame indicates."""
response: 4 h 56 min
